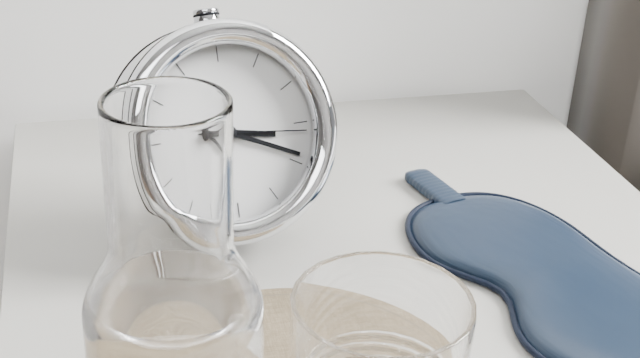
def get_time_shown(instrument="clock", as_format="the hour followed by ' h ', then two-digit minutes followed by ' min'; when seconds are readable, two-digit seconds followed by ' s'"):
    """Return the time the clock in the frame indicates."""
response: 3 h 19 min 16 s
